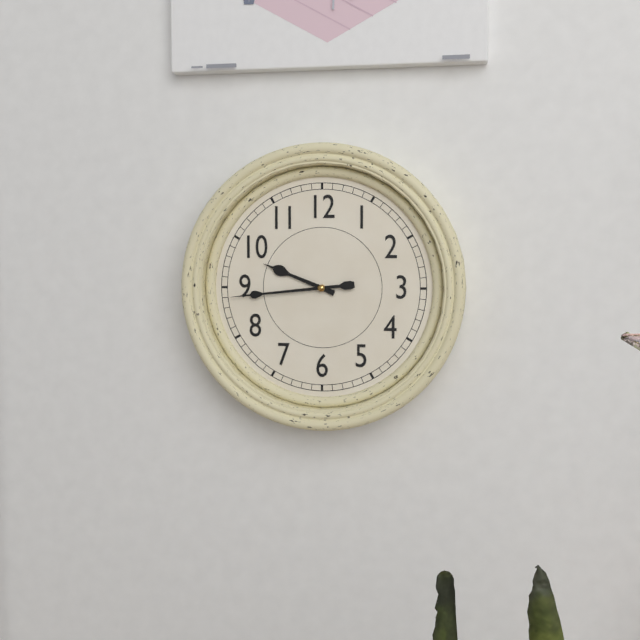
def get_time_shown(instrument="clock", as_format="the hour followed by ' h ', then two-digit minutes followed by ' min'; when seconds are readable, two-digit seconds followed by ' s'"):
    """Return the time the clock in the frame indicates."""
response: 9 h 44 min
